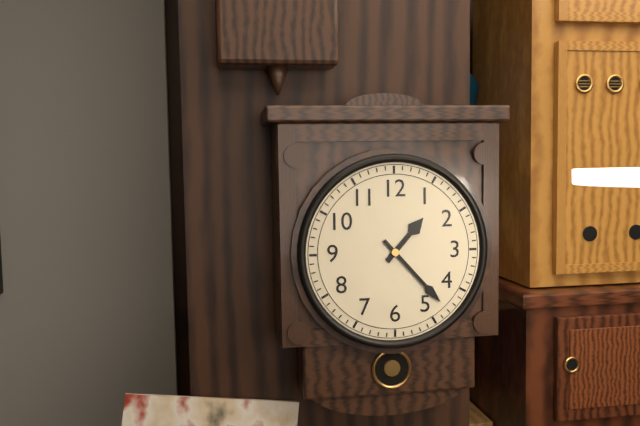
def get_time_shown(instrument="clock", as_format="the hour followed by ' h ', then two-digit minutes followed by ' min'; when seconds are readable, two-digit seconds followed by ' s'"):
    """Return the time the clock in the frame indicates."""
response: 1 h 23 min
